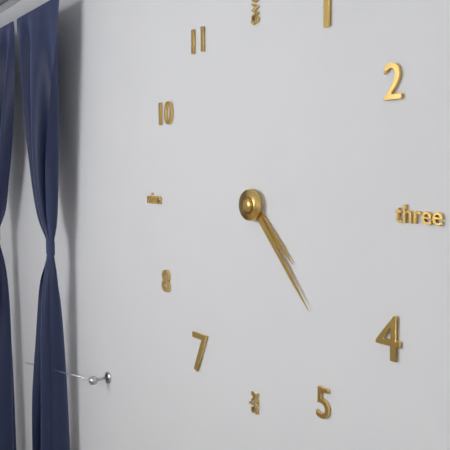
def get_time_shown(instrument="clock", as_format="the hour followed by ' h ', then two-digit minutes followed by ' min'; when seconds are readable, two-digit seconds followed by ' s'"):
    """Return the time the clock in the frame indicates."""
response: 4 h 23 min
